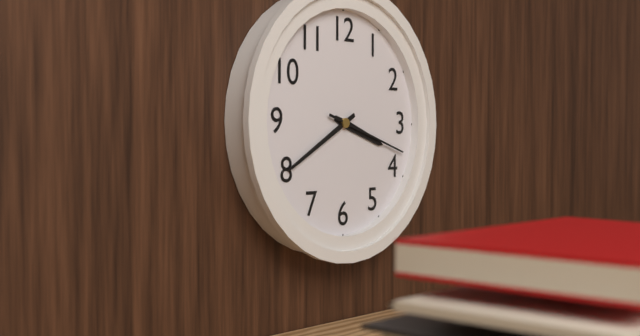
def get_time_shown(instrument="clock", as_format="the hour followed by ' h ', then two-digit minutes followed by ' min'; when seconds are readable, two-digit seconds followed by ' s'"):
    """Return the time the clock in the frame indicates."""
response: 3 h 40 min 18 s
